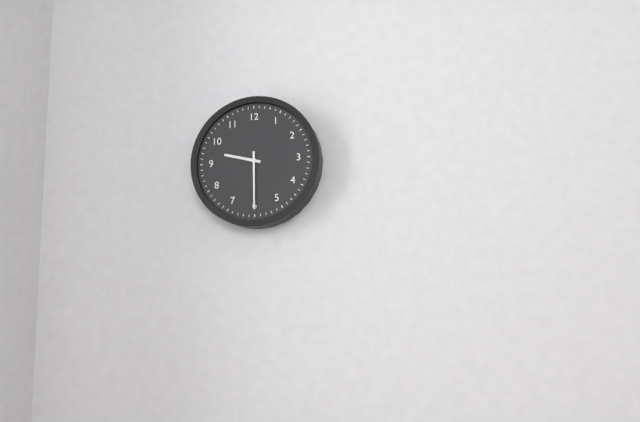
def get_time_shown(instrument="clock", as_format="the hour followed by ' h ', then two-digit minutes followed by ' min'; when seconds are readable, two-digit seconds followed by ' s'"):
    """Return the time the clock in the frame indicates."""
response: 9 h 30 min
